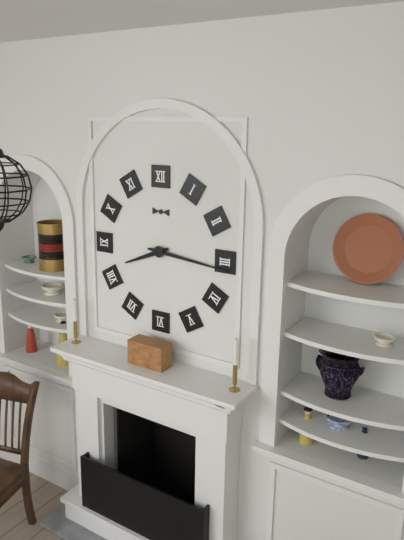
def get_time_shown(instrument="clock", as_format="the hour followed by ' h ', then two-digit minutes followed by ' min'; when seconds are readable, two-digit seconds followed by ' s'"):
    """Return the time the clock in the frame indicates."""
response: 8 h 16 min
